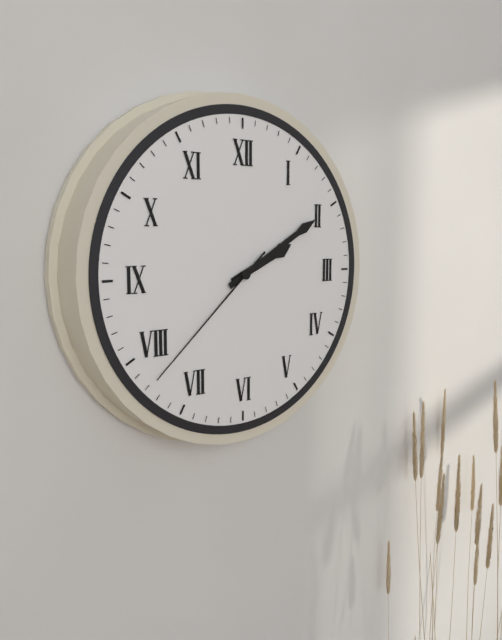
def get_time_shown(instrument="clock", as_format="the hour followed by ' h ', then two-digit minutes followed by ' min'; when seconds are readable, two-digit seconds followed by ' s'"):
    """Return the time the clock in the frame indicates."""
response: 2 h 10 min 38 s
